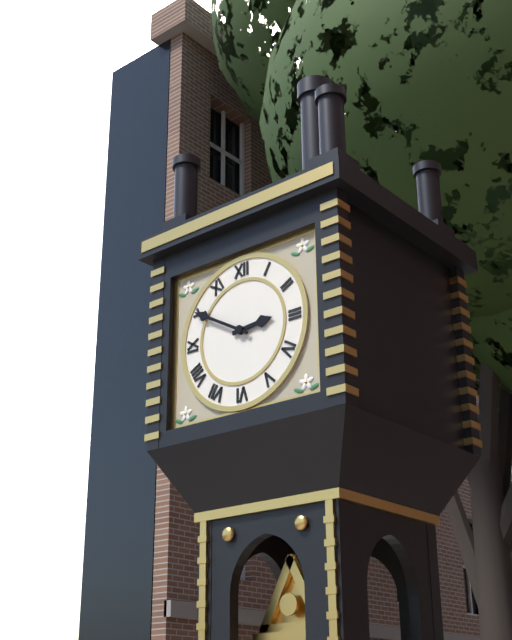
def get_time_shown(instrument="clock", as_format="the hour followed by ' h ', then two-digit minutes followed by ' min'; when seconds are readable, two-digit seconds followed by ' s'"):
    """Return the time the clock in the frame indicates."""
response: 2 h 50 min
